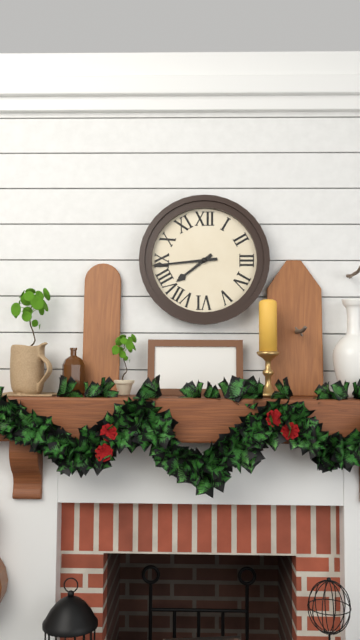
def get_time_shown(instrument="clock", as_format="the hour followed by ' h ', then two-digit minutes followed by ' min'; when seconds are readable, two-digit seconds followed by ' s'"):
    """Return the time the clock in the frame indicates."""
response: 7 h 44 min
